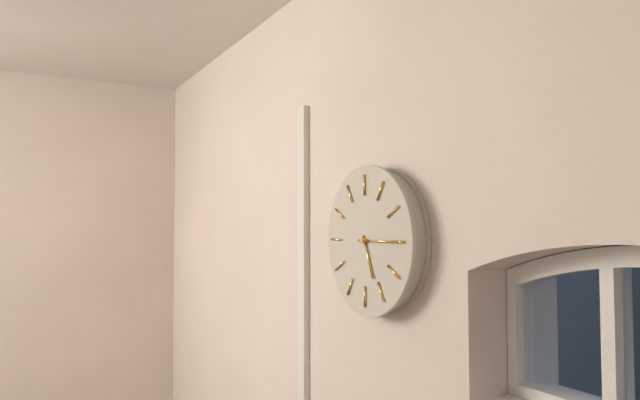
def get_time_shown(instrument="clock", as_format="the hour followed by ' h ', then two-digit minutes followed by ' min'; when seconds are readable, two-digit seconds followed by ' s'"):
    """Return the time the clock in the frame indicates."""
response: 5 h 15 min
